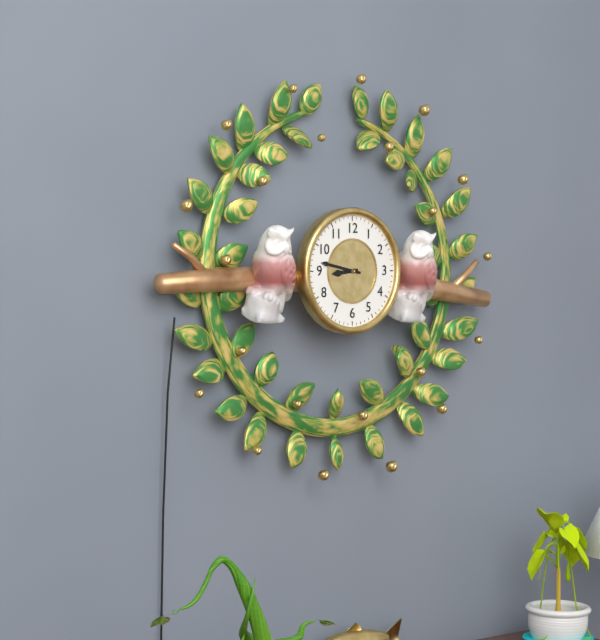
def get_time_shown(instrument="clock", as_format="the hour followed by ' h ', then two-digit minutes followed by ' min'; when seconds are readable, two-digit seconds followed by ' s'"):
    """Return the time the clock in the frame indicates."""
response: 8 h 47 min
